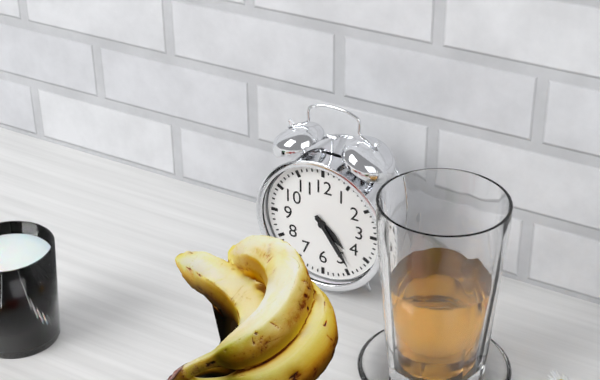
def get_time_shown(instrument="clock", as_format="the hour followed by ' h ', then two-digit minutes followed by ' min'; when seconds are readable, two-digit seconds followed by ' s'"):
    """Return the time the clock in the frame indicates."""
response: 4 h 24 min
